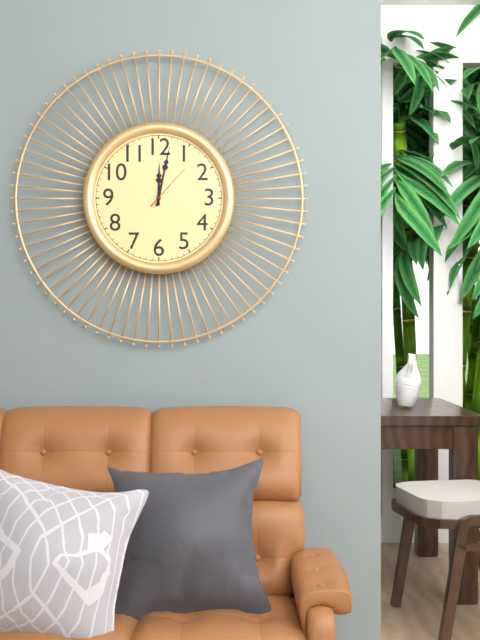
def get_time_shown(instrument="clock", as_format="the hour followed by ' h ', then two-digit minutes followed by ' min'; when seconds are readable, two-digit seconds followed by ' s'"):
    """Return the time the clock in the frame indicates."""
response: 12 h 02 min 07 s
